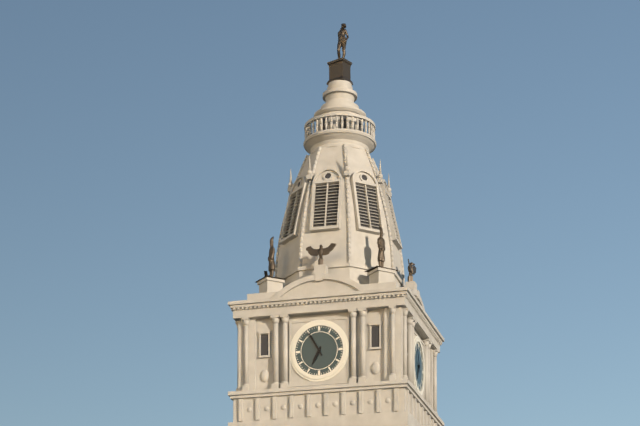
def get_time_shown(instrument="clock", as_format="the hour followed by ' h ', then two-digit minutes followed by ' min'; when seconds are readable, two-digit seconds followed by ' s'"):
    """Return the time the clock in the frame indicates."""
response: 6 h 55 min
